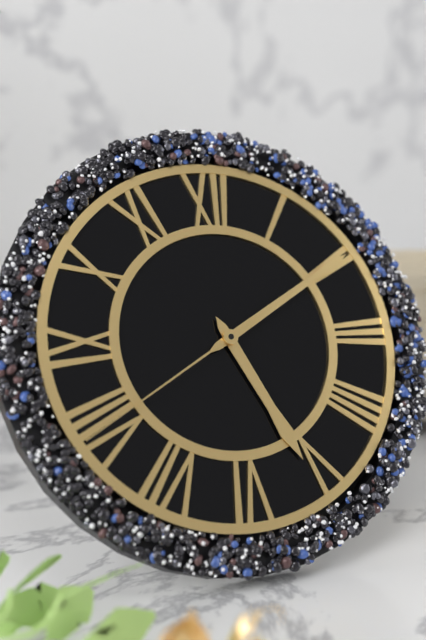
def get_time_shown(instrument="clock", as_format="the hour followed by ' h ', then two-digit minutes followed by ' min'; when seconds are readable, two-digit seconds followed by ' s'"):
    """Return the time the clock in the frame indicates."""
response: 5 h 10 min 40 s
